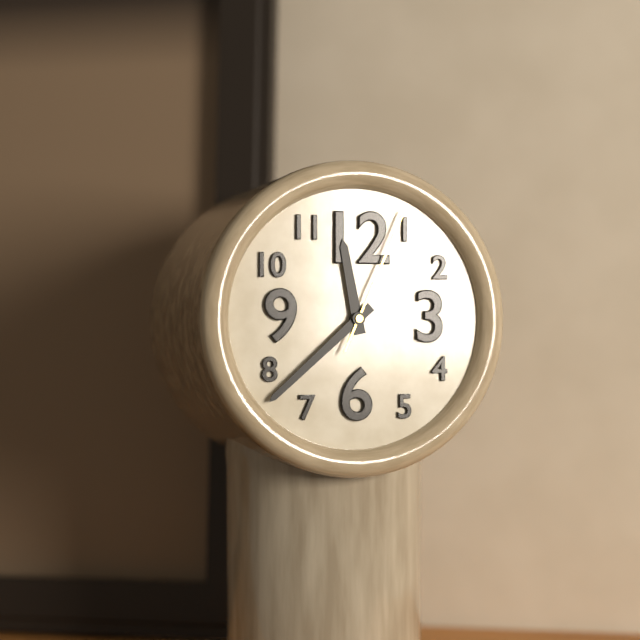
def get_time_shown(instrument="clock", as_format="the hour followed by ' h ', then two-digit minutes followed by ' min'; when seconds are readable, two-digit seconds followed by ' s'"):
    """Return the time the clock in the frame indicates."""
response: 11 h 38 min 04 s
